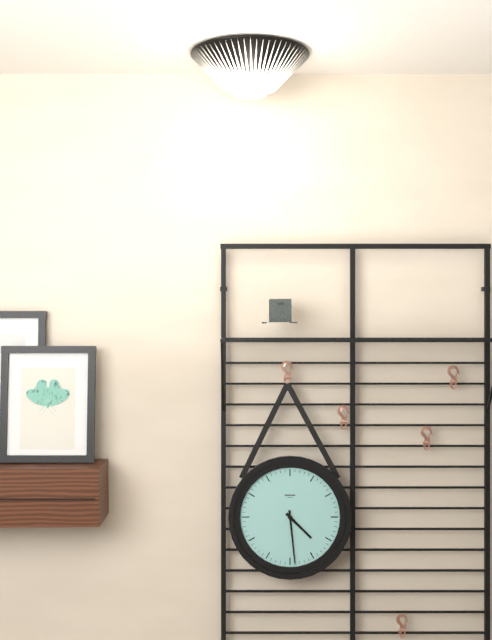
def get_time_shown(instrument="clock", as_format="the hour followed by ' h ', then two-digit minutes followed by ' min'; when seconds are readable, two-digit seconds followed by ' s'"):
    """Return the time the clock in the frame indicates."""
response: 4 h 29 min
